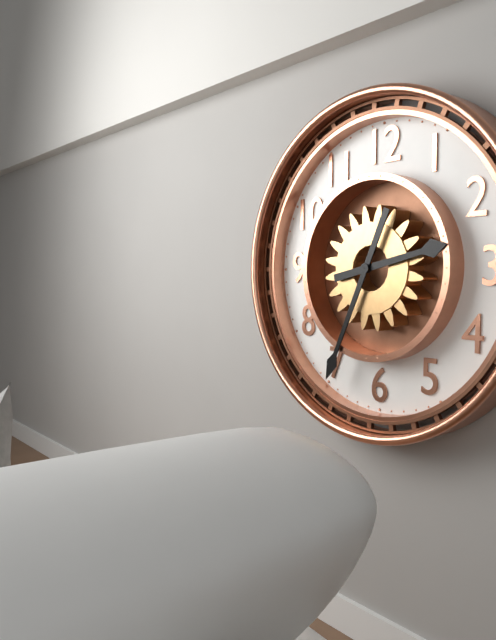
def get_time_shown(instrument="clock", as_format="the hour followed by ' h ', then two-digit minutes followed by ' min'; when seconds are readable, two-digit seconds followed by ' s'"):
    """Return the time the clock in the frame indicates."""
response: 2 h 34 min
